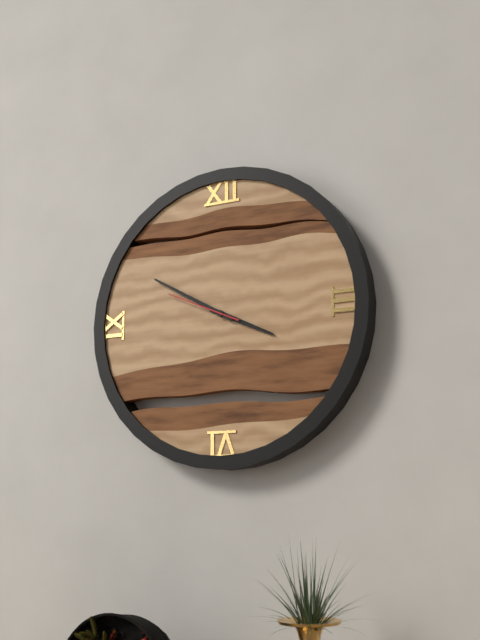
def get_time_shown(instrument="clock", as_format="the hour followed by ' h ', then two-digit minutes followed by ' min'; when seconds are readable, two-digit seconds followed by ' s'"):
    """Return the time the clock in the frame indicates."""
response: 3 h 50 min 49 s
